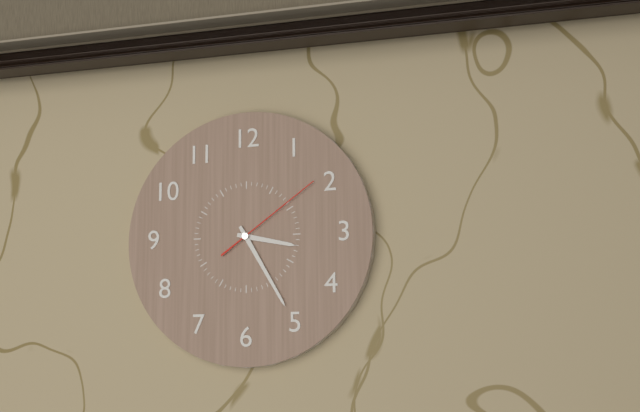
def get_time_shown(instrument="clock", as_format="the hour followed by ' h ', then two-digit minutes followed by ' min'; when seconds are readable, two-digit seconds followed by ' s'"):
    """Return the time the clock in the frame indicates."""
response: 3 h 25 min 09 s
